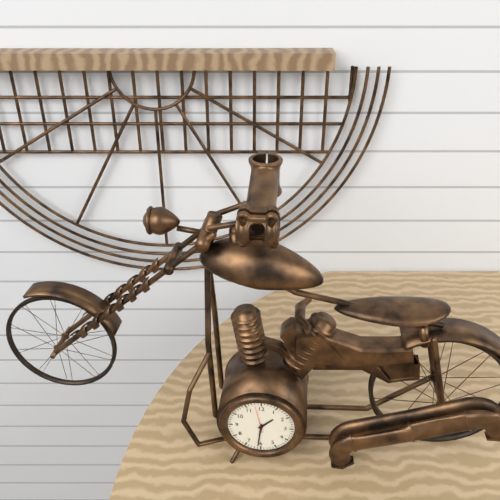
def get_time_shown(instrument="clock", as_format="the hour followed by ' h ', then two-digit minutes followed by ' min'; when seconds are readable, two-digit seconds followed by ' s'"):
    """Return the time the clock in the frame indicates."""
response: 1 h 31 min
